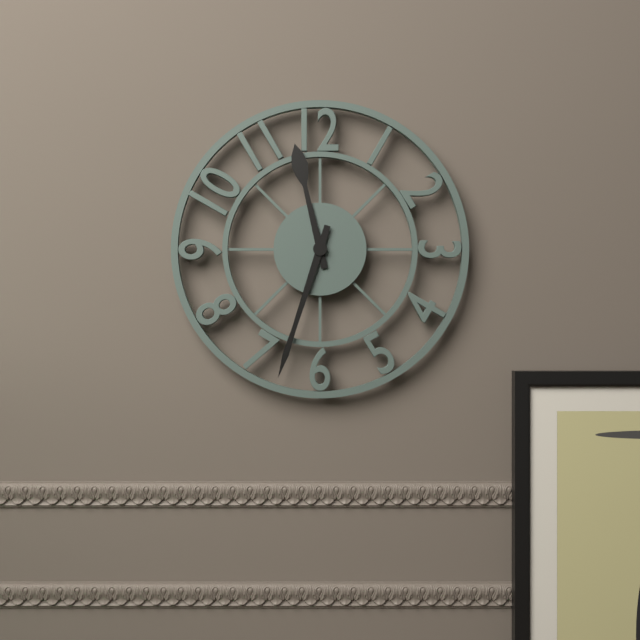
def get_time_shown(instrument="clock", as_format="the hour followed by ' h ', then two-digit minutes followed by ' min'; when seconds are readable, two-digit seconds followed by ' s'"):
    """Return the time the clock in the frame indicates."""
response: 11 h 33 min
